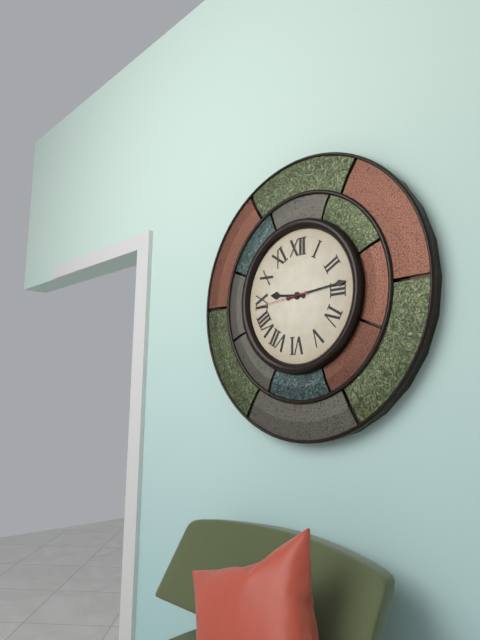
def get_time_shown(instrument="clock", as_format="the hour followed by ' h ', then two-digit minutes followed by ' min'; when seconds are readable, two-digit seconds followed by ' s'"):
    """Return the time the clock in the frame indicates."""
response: 9 h 14 min 44 s
